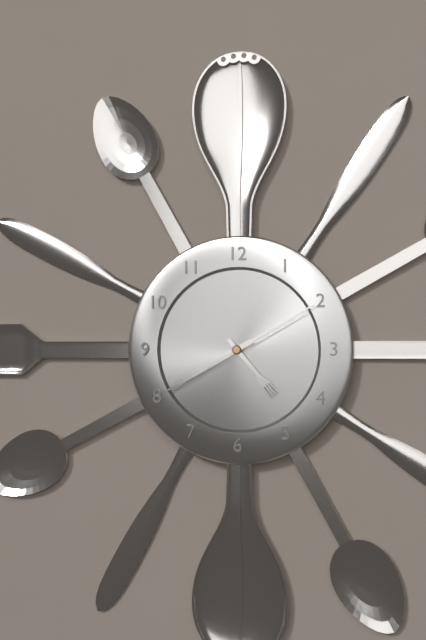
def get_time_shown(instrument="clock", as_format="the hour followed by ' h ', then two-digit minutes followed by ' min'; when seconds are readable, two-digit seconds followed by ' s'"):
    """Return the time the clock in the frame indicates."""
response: 4 h 40 min 10 s
